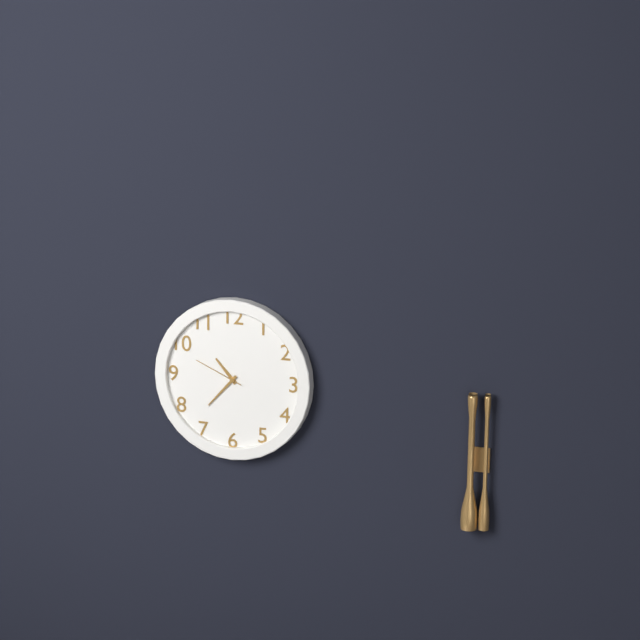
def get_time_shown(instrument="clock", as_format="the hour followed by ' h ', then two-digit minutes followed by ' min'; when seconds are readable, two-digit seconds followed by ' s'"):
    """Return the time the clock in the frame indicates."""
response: 10 h 37 min 49 s
